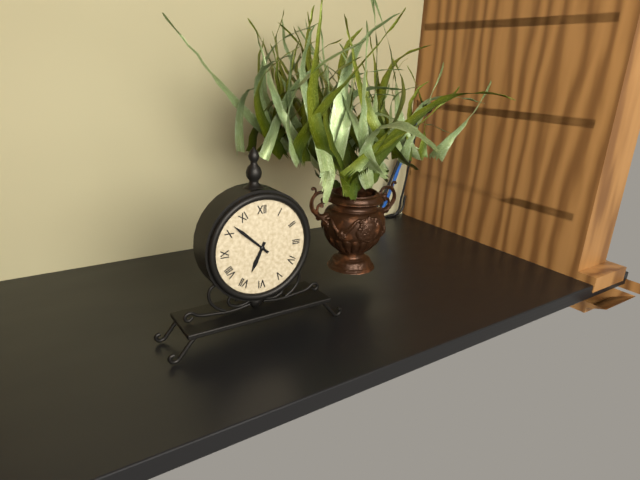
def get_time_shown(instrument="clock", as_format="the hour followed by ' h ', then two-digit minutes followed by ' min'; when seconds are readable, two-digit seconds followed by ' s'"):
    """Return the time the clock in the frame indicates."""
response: 6 h 52 min
